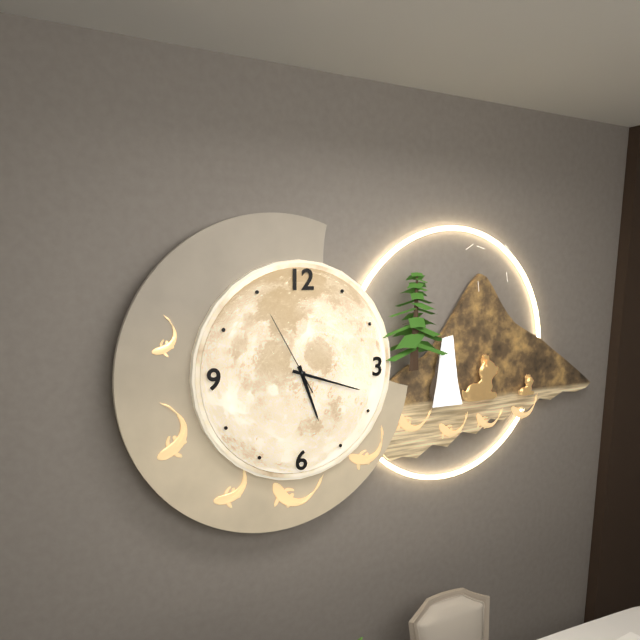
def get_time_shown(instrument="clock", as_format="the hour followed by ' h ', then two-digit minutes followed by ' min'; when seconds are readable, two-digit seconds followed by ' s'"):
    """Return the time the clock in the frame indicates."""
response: 5 h 18 min 55 s
